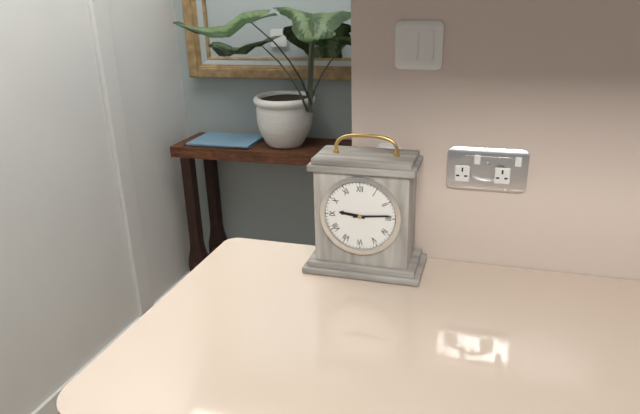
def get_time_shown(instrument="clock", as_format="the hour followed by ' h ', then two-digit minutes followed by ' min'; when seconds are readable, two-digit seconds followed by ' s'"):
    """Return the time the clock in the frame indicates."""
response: 9 h 14 min
